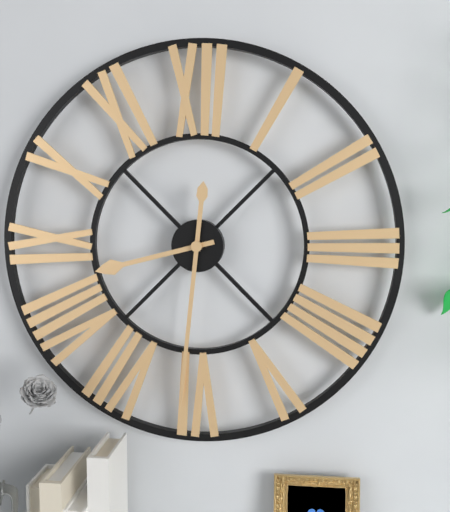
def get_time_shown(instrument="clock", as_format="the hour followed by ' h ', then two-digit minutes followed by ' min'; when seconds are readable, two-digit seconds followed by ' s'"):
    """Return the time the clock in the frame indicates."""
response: 8 h 31 min
